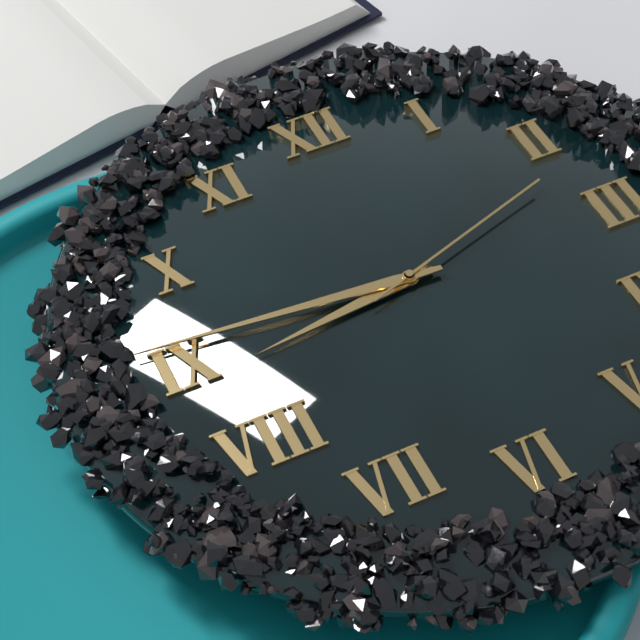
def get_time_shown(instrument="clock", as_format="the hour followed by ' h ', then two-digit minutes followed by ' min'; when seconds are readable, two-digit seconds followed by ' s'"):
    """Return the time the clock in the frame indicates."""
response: 8 h 46 min 12 s
